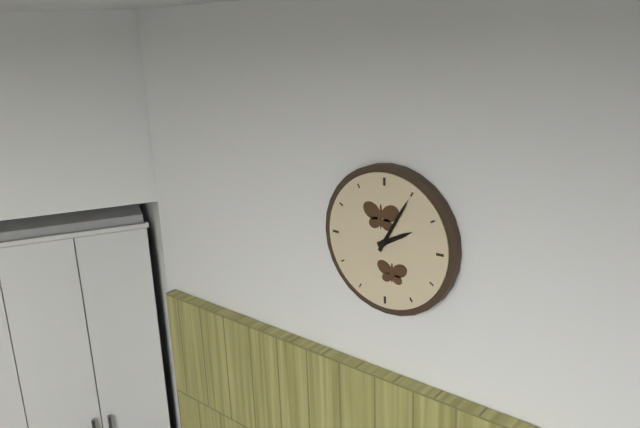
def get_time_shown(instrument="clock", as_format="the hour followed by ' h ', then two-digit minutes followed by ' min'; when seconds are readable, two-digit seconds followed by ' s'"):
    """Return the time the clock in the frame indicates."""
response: 2 h 05 min
